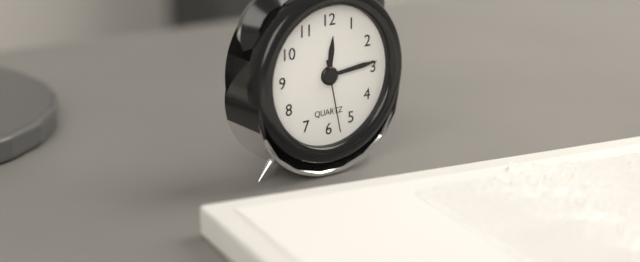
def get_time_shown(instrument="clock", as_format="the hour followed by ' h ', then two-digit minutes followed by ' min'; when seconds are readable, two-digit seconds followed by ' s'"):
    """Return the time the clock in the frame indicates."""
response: 12 h 14 min 28 s
